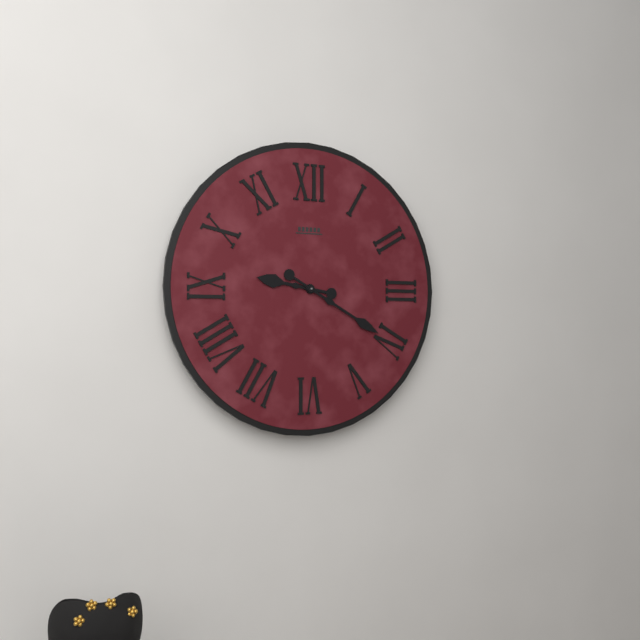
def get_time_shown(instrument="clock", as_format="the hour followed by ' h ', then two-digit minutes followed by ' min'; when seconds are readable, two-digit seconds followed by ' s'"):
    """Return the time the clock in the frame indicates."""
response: 9 h 20 min
